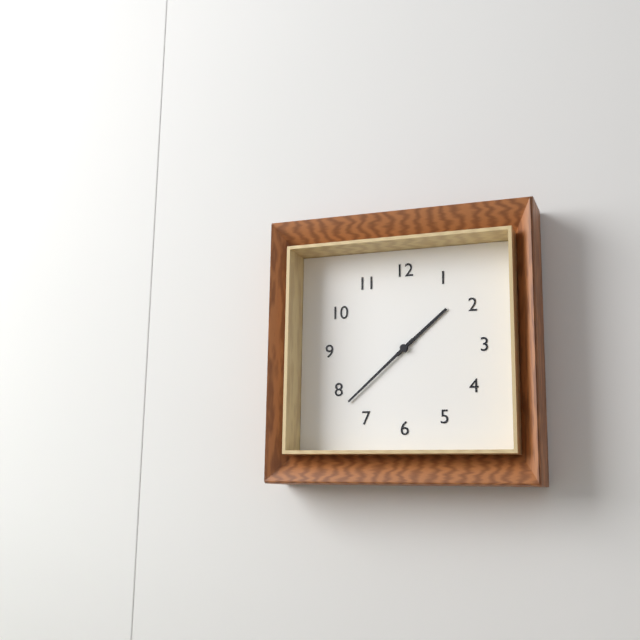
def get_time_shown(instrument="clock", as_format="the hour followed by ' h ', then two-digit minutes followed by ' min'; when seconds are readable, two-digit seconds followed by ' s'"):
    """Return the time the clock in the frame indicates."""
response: 1 h 38 min
